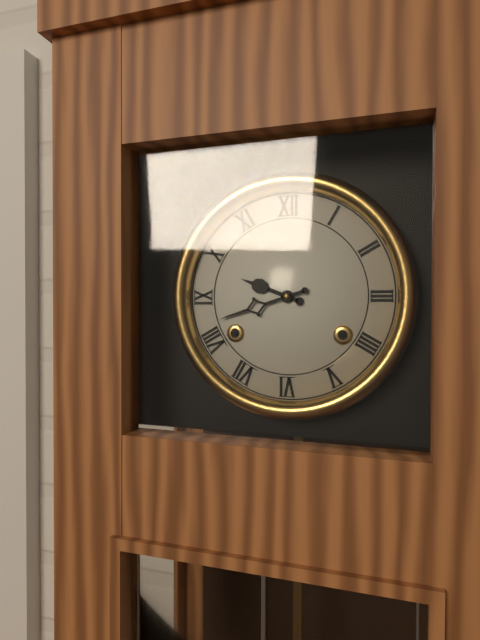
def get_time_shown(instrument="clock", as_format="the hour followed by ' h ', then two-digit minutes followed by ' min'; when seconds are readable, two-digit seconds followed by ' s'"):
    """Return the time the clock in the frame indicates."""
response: 9 h 42 min
